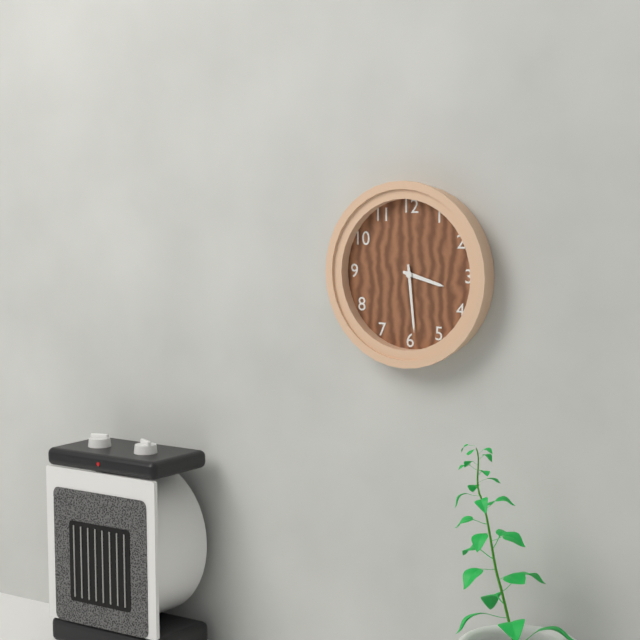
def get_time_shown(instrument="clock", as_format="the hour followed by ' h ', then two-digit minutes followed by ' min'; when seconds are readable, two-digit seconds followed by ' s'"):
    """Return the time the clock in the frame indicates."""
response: 3 h 29 min
